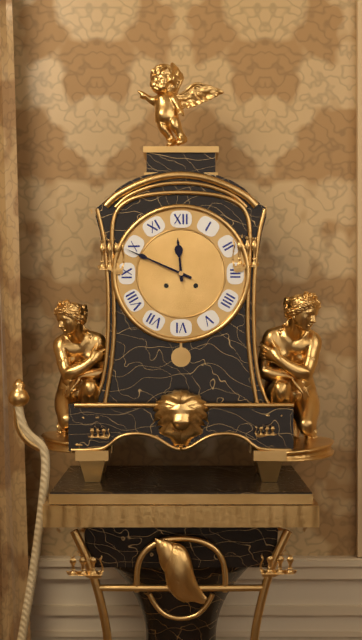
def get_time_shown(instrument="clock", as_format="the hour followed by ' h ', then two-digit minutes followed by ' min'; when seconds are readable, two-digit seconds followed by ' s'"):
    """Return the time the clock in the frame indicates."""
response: 11 h 49 min
